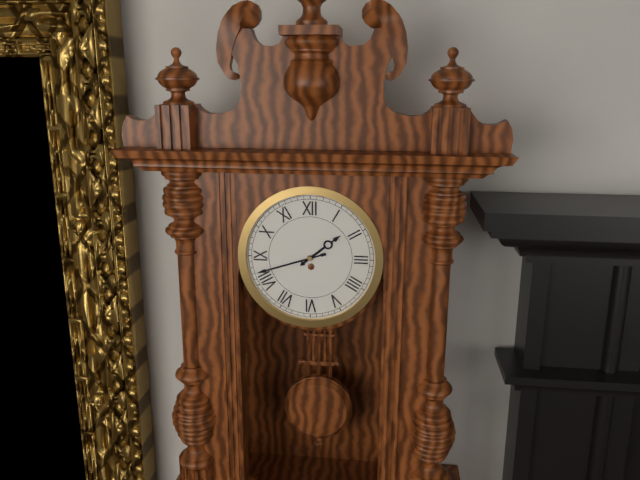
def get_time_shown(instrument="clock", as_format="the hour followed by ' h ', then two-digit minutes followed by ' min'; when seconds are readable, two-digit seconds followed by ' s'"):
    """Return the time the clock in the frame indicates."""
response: 1 h 42 min
